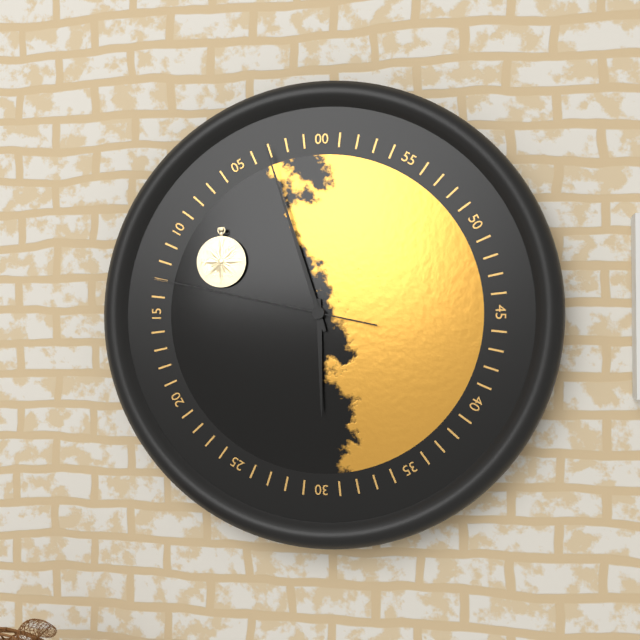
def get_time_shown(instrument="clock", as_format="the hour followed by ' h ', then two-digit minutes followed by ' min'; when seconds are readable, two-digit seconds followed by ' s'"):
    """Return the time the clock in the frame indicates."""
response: 5 h 57 min 47 s
